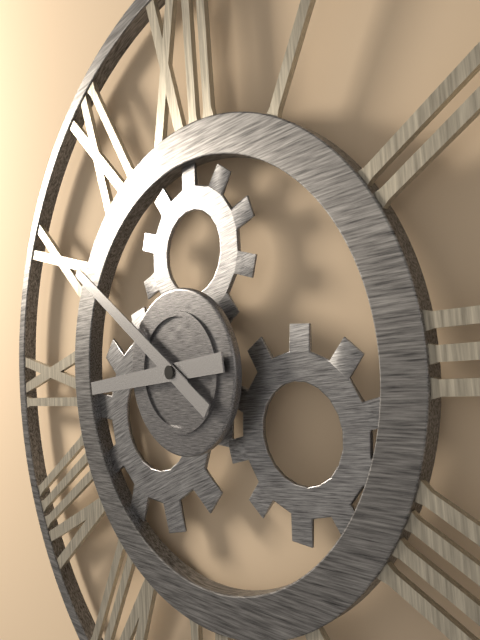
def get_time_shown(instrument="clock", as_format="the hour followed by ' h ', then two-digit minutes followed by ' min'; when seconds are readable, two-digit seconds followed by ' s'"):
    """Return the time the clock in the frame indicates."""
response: 8 h 51 min
